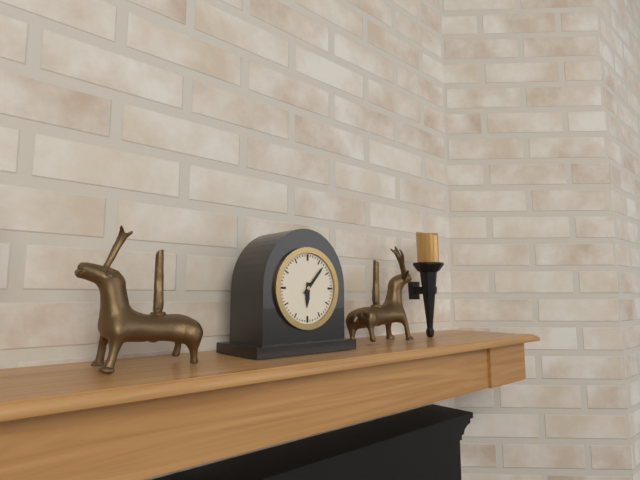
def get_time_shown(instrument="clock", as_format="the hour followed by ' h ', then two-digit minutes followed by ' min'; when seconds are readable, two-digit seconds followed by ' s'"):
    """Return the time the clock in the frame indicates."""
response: 6 h 07 min
